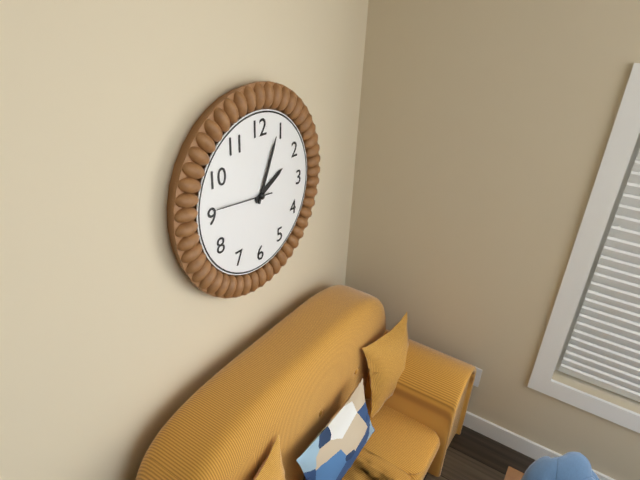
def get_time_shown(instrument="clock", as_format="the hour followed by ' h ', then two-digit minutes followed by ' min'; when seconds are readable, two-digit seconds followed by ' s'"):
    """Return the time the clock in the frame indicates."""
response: 2 h 04 min 46 s
